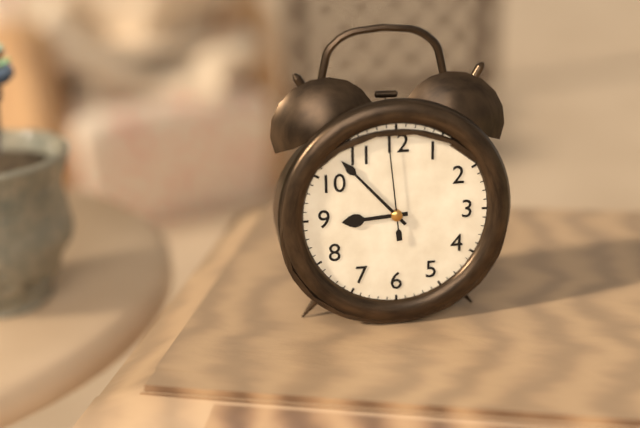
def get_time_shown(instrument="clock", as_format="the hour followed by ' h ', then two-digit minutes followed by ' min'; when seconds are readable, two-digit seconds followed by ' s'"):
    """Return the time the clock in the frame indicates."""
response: 8 h 53 min 59 s
